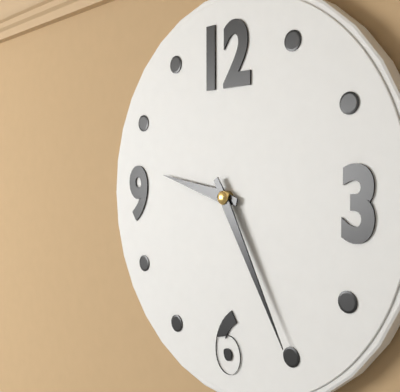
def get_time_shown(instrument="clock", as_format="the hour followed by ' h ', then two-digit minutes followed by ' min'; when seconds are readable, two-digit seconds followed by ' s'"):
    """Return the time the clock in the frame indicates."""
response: 9 h 25 min
